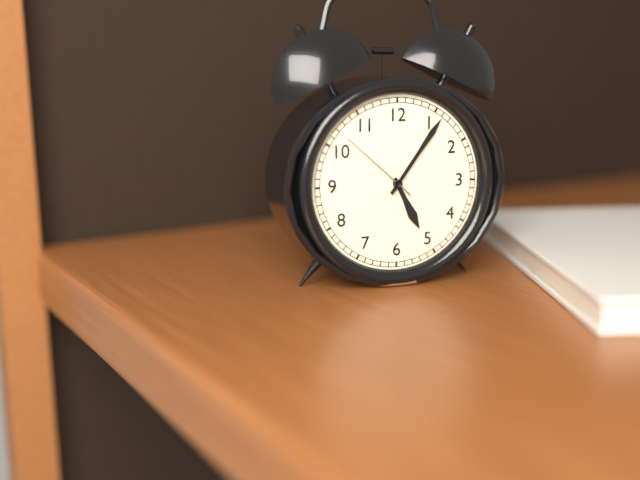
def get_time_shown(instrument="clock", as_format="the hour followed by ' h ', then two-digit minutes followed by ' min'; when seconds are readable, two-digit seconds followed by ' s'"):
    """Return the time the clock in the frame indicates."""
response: 5 h 06 min 52 s
